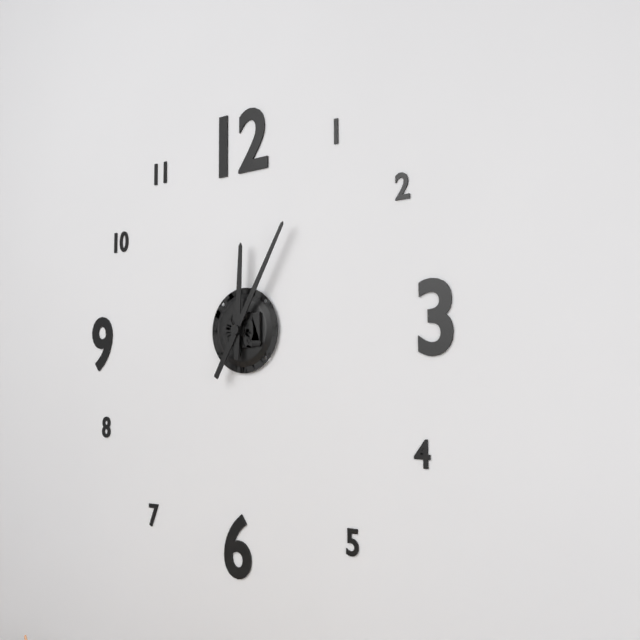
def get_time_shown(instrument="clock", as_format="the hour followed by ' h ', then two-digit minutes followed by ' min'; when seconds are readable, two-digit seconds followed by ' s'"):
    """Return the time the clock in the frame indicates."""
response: 12 h 05 min
